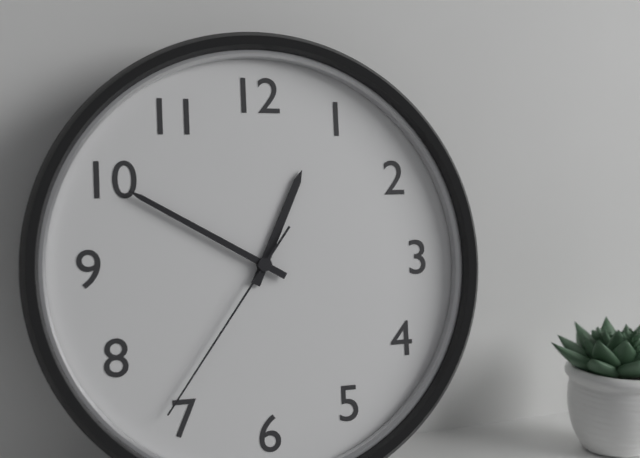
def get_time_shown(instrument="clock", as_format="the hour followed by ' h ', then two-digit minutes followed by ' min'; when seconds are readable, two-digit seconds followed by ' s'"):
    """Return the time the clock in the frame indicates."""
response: 12 h 50 min 36 s
